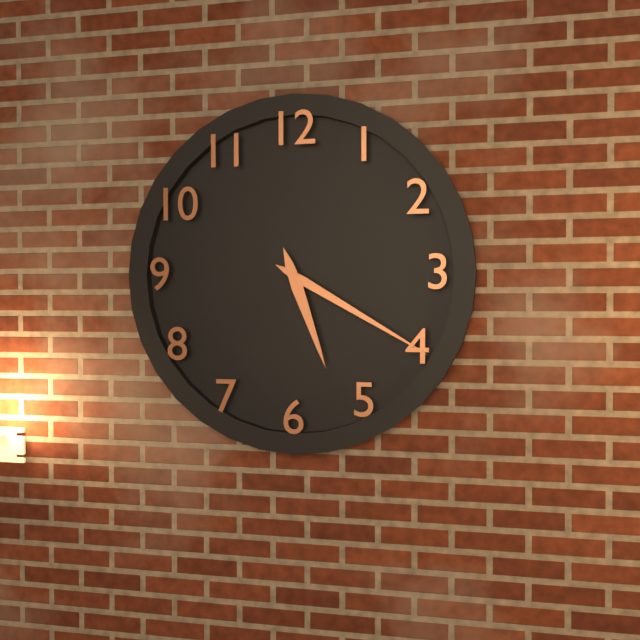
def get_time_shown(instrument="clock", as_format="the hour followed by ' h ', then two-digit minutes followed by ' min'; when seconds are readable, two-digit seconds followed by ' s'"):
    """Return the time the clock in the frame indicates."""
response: 5 h 20 min
